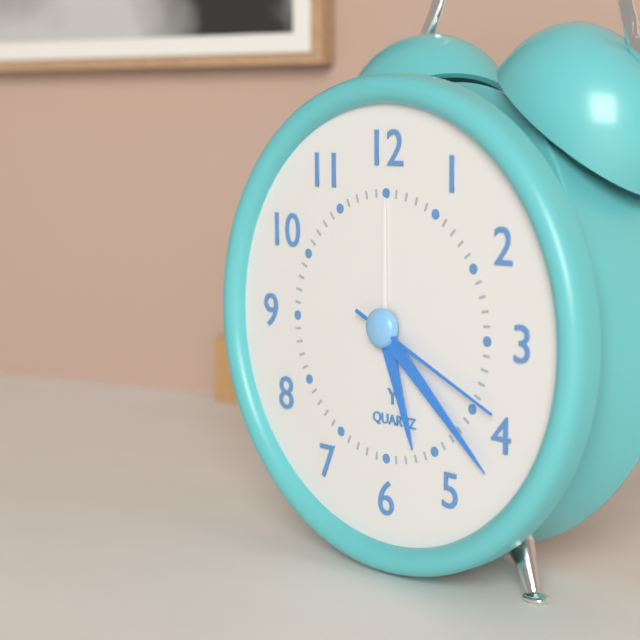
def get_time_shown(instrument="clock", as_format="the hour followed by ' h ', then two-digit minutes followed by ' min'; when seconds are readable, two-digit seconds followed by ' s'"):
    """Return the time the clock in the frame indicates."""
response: 5 h 22 min 19 s
